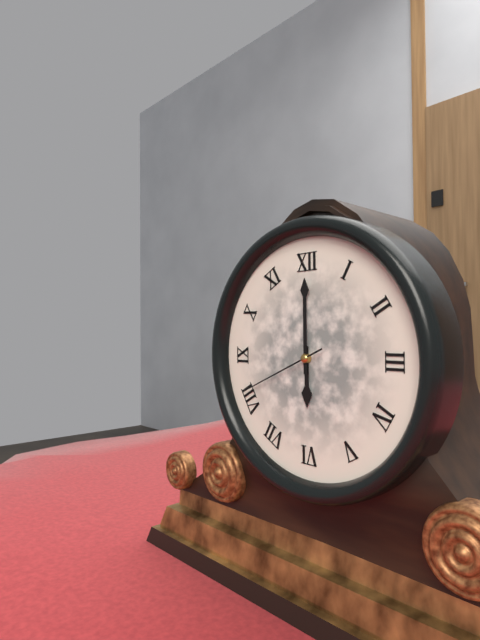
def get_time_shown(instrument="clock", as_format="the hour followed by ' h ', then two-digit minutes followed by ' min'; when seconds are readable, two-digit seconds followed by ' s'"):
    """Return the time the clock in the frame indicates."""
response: 6 h 00 min 41 s
